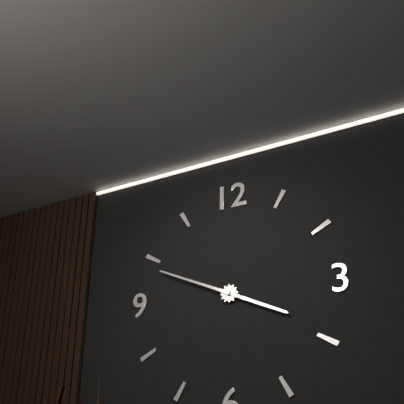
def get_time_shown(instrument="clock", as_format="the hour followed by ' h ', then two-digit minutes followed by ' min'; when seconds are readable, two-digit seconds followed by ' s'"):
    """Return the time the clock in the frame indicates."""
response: 3 h 49 min
